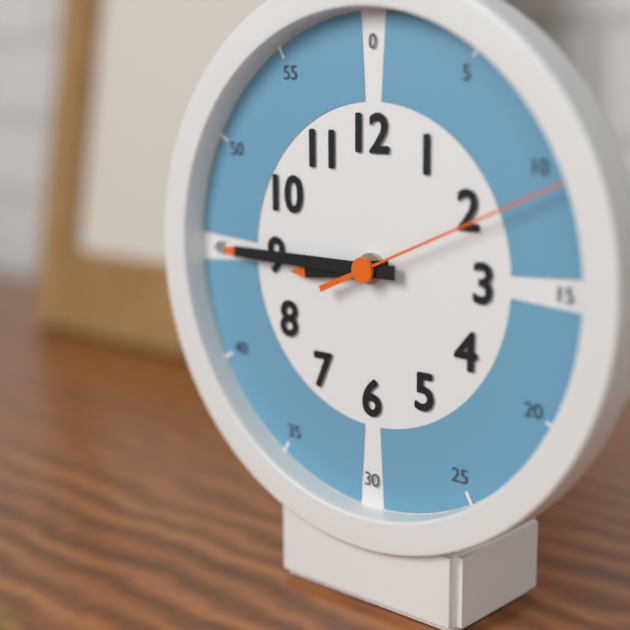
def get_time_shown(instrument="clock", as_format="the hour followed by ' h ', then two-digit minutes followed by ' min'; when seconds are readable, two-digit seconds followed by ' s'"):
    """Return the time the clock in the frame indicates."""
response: 8 h 45 min 11 s
